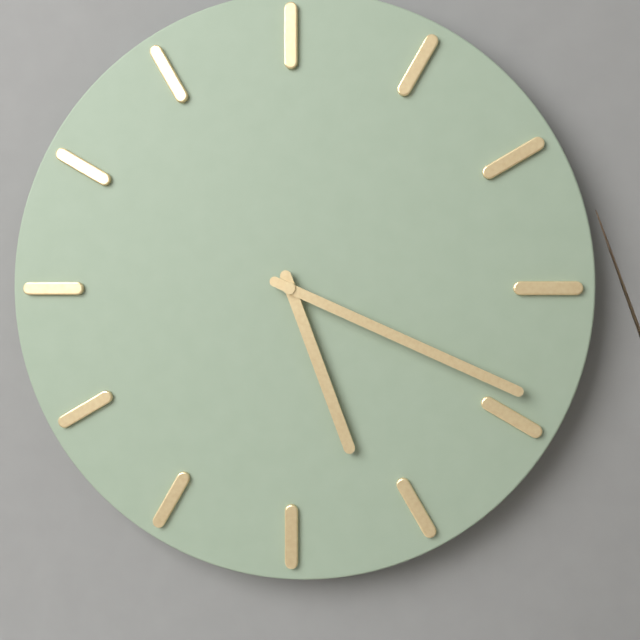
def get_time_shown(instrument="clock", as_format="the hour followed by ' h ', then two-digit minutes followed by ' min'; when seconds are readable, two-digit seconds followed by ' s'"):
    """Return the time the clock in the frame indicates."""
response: 5 h 19 min
